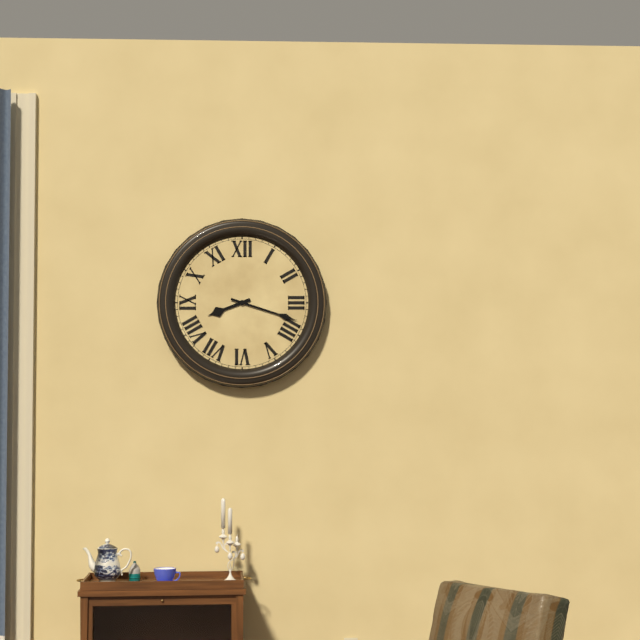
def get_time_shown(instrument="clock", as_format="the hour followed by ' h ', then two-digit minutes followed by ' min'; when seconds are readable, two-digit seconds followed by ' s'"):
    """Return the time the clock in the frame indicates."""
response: 8 h 18 min
